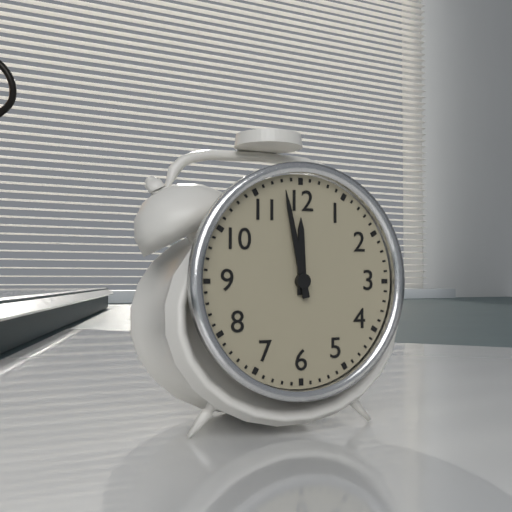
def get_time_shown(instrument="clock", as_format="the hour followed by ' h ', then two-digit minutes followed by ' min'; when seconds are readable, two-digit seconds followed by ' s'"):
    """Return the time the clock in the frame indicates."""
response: 11 h 58 min
